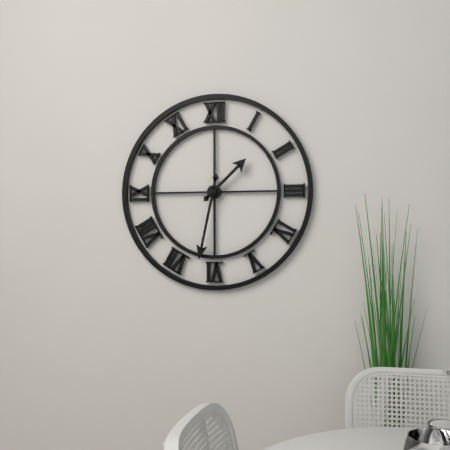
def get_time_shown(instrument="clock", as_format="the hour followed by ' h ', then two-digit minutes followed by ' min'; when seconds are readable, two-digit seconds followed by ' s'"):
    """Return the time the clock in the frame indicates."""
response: 1 h 32 min
